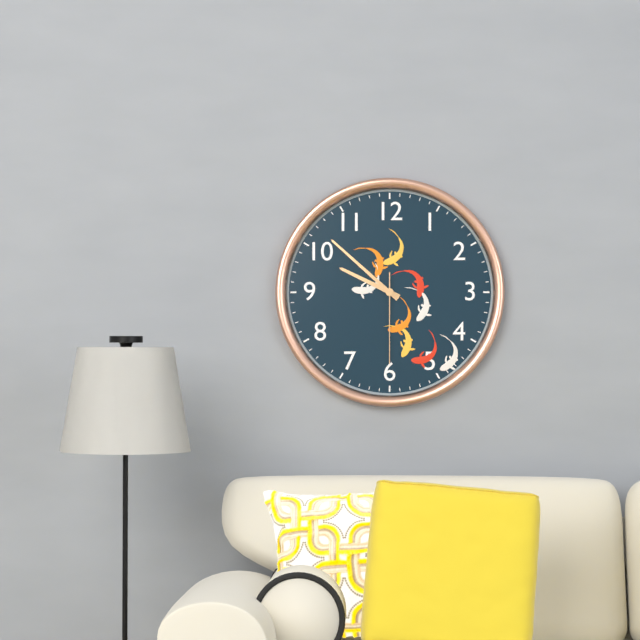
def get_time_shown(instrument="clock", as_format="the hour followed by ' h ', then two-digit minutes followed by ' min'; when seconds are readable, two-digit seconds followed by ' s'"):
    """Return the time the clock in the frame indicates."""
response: 9 h 52 min 30 s
